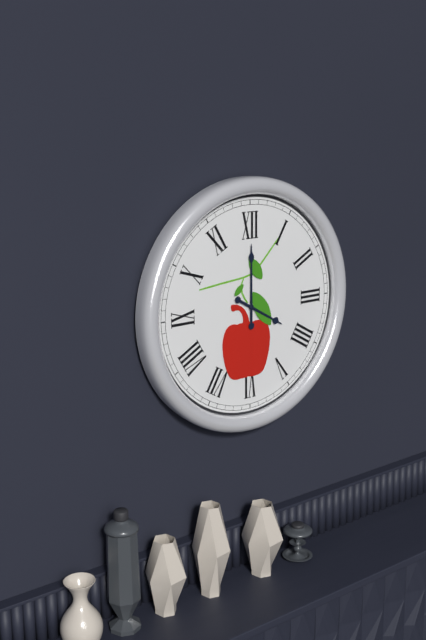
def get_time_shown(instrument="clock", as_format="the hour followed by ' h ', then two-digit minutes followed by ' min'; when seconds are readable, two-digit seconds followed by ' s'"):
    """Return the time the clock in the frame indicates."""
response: 4 h 00 min
